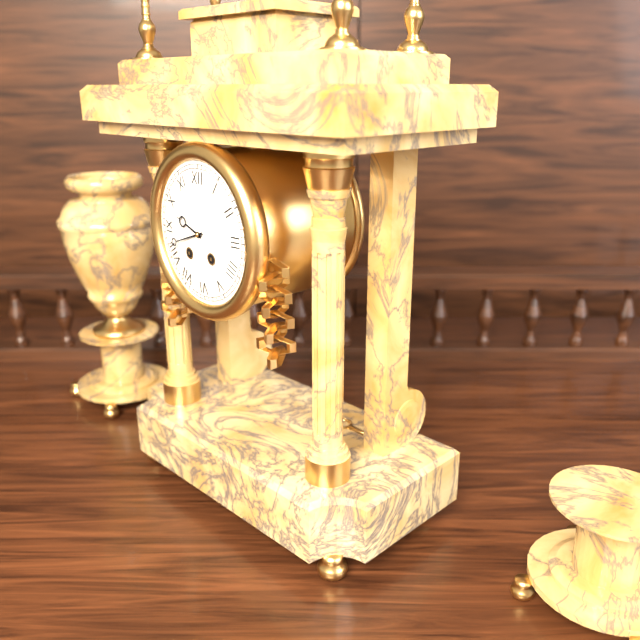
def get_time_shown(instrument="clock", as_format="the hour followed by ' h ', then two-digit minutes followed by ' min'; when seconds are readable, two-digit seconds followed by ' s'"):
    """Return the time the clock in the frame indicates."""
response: 9 h 42 min
